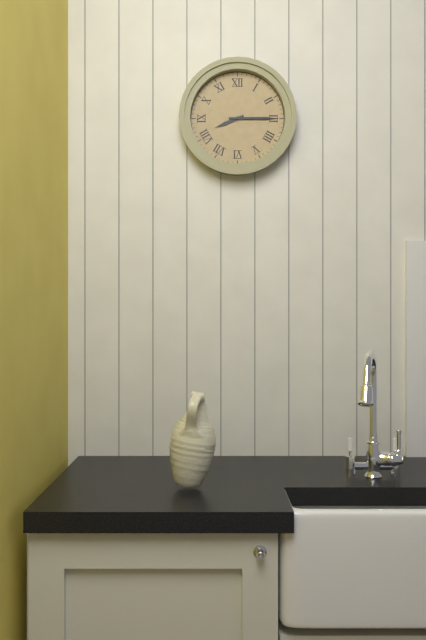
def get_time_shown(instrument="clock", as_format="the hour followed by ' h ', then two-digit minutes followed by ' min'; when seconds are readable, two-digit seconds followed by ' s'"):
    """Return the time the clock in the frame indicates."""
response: 8 h 15 min
